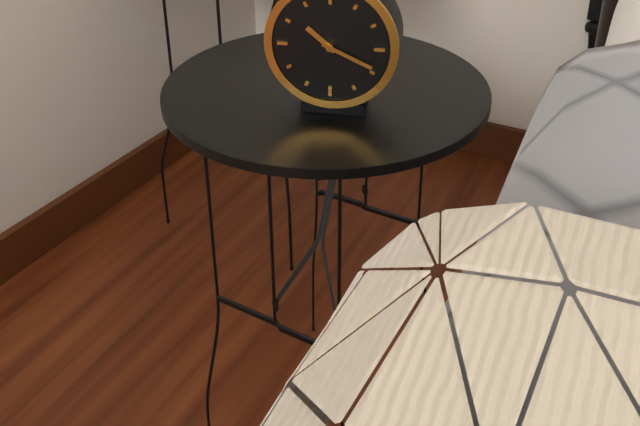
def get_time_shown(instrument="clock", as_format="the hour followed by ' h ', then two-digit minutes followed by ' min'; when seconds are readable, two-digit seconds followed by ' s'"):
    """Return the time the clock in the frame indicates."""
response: 10 h 19 min
